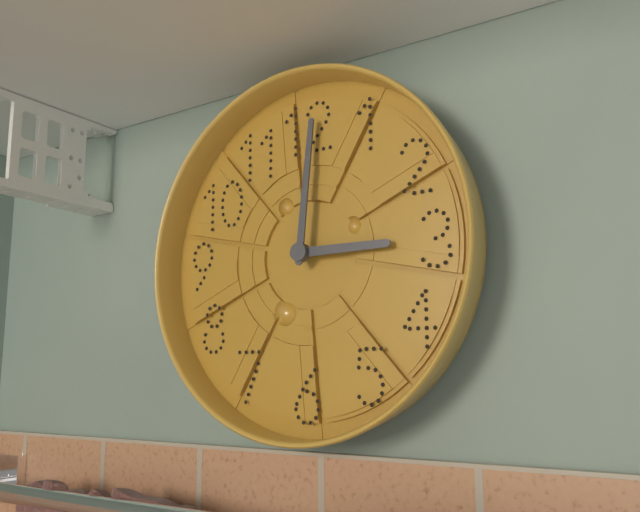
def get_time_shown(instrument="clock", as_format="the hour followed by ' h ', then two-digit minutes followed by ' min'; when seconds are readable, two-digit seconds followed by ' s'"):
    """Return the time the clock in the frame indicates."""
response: 3 h 01 min
